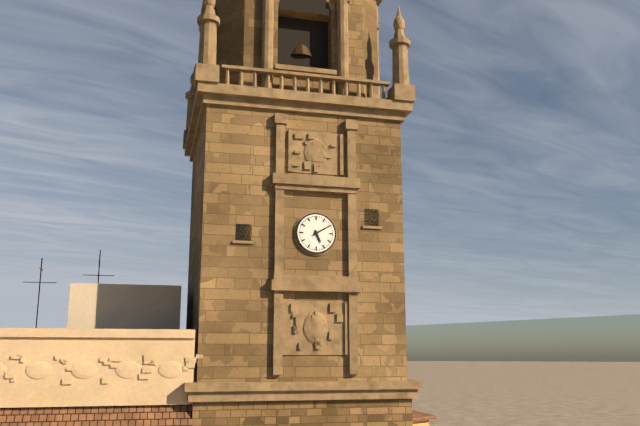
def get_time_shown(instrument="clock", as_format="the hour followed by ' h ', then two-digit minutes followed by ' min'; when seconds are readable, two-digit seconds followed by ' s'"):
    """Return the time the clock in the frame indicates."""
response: 5 h 10 min
